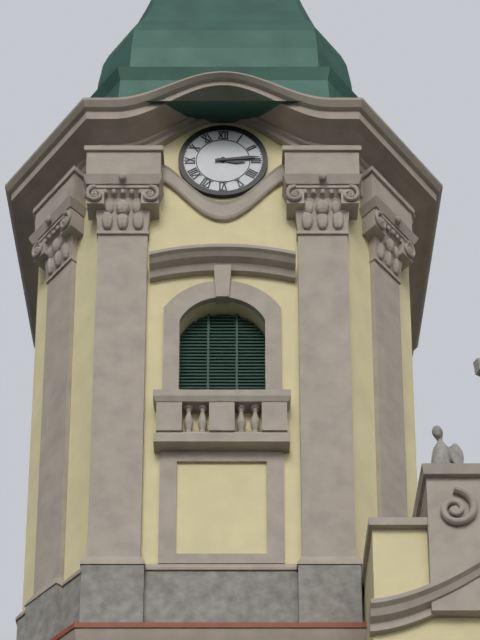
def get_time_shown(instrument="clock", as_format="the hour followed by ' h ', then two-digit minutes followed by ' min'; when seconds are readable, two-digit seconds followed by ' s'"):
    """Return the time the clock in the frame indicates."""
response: 3 h 14 min
